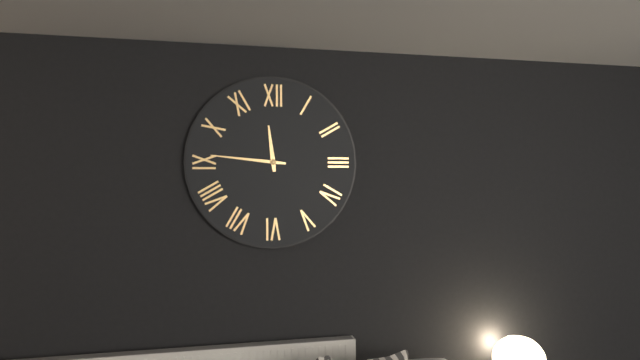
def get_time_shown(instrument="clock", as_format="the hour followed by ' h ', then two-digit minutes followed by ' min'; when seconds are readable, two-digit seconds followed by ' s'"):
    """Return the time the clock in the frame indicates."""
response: 11 h 46 min
